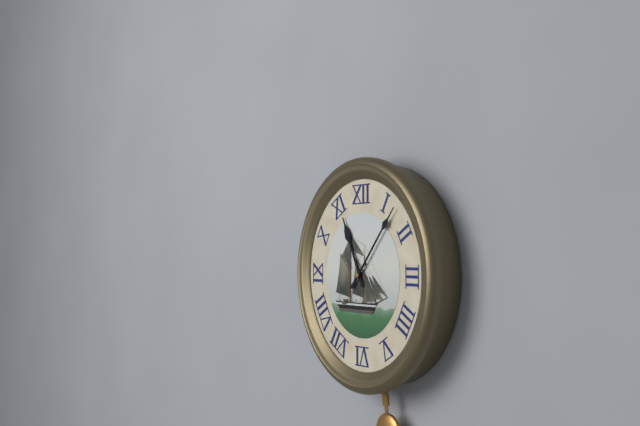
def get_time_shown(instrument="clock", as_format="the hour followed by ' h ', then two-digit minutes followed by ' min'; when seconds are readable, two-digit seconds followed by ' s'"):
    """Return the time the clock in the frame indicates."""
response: 11 h 07 min
